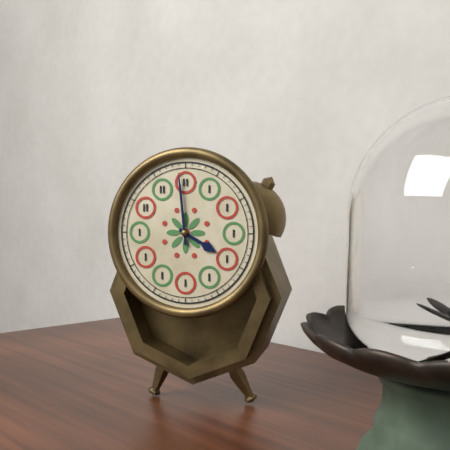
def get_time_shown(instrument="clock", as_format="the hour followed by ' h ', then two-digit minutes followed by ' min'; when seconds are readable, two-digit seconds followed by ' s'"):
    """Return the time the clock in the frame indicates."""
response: 3 h 59 min
